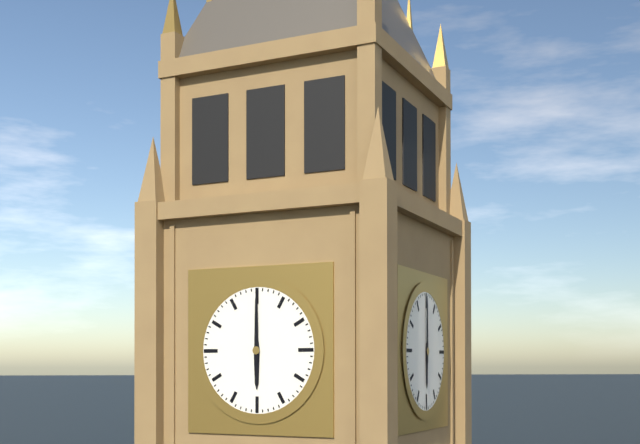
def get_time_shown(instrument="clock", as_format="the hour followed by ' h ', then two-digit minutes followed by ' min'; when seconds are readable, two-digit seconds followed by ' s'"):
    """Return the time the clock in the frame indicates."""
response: 6 h 00 min
